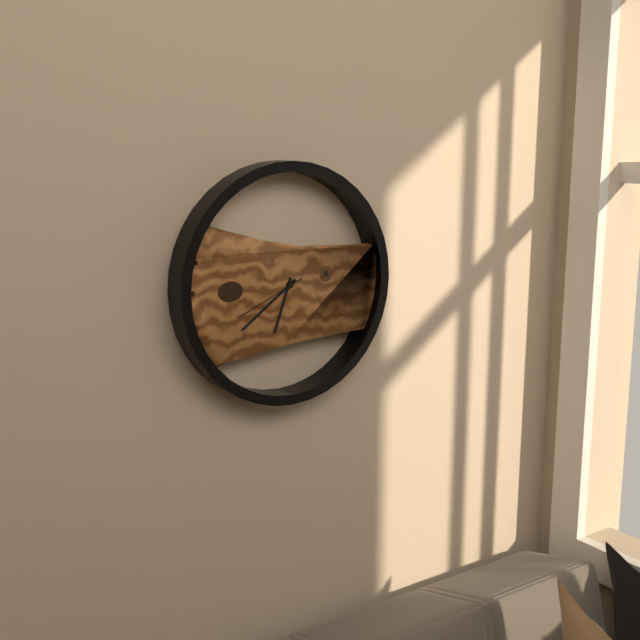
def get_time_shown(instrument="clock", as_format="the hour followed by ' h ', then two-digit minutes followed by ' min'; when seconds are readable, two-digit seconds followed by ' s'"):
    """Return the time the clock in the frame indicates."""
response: 6 h 39 min 41 s
